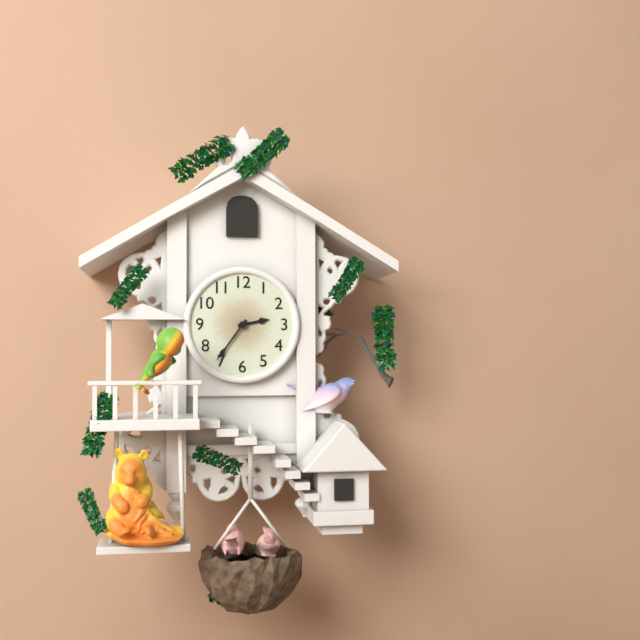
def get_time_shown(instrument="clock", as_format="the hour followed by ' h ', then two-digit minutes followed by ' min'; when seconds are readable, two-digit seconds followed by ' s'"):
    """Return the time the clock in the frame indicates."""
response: 2 h 36 min
